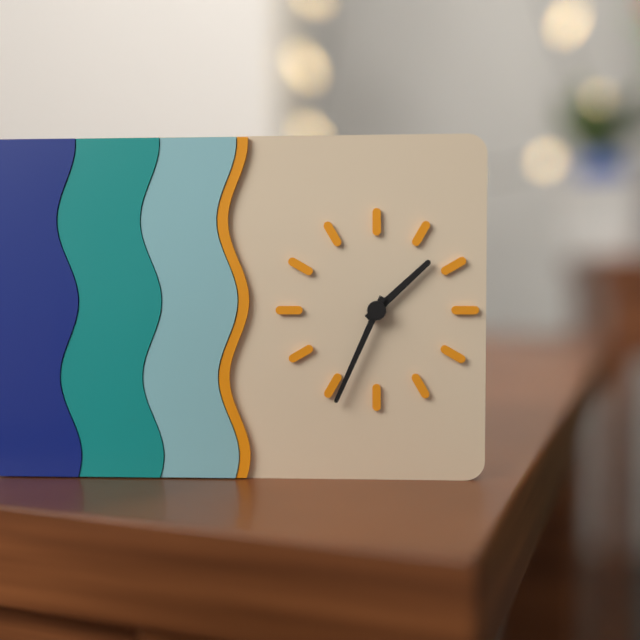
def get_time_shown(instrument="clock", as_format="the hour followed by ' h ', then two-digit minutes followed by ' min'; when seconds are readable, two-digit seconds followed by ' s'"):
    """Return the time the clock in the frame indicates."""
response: 1 h 34 min
